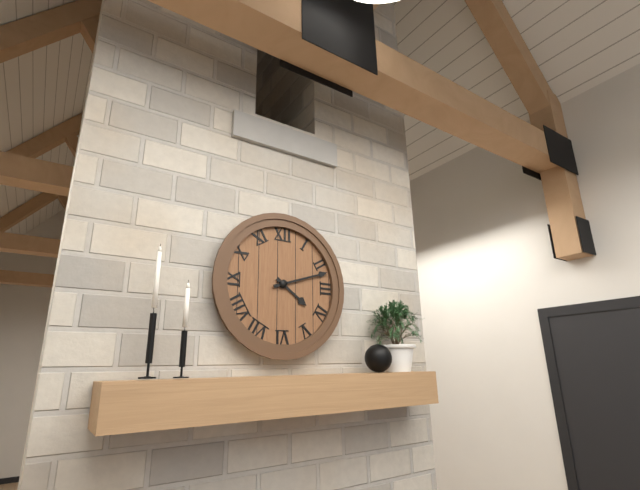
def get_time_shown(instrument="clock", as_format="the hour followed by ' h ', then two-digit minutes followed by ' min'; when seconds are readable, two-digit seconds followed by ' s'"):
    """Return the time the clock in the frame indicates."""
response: 4 h 12 min
